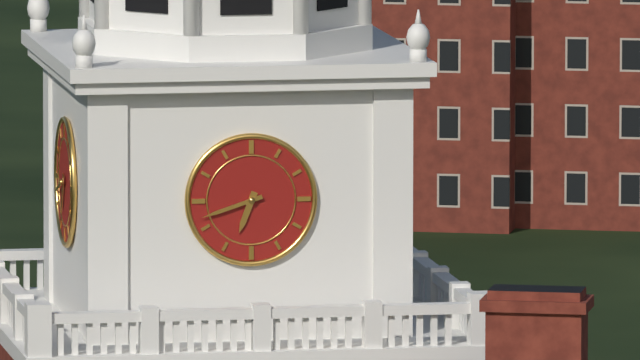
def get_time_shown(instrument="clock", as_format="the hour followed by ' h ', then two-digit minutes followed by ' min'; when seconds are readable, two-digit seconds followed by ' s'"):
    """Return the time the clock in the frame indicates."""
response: 6 h 42 min
